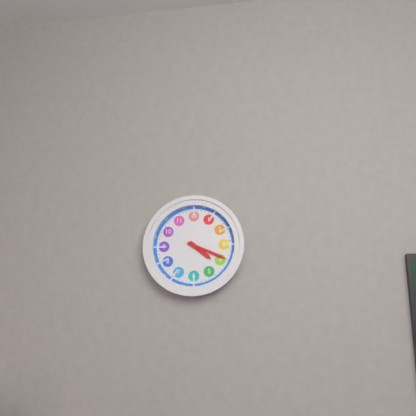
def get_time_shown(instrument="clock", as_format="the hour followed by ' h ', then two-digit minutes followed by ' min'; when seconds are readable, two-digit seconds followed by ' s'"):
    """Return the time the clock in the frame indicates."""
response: 4 h 19 min
